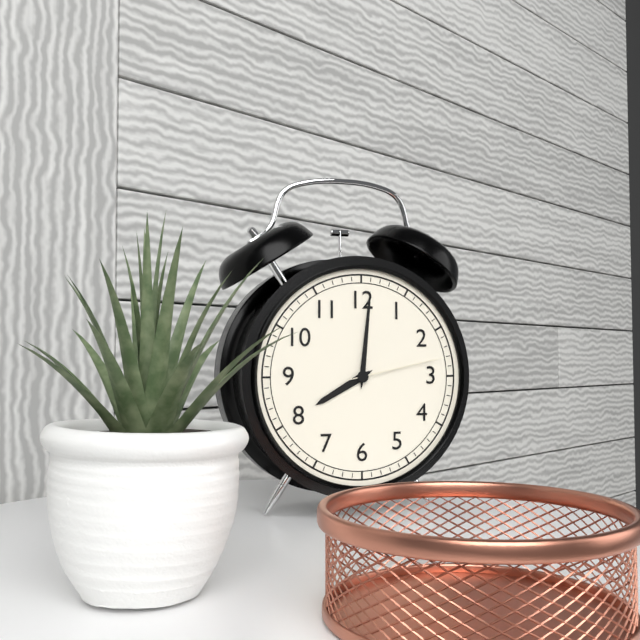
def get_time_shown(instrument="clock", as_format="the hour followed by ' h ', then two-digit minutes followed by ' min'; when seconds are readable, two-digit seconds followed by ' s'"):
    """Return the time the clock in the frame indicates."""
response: 8 h 01 min 13 s
